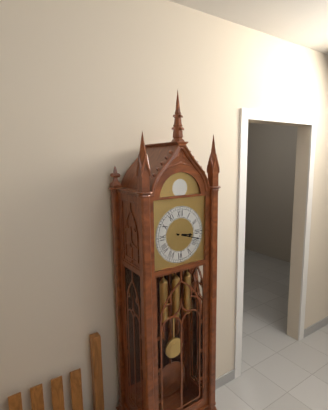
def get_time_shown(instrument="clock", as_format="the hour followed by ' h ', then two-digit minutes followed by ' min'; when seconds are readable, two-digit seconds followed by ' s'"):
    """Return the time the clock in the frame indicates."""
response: 3 h 18 min
